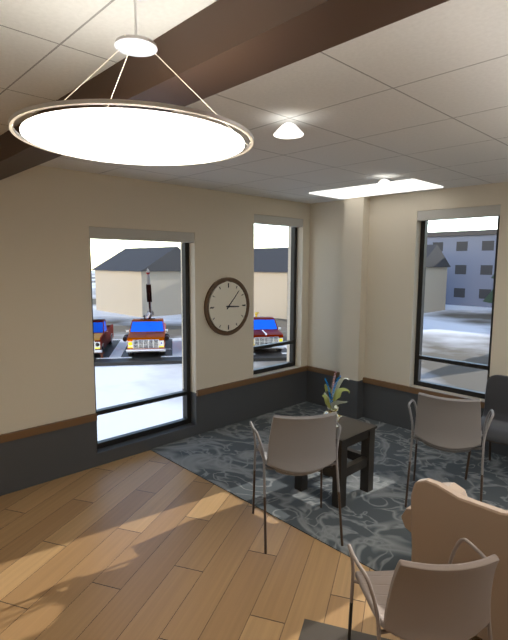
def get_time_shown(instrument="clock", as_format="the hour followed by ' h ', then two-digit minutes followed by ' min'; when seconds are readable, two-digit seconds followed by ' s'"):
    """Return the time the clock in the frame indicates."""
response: 3 h 07 min
